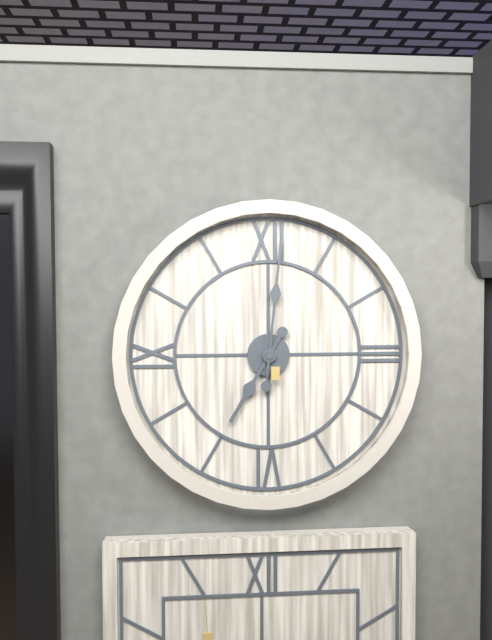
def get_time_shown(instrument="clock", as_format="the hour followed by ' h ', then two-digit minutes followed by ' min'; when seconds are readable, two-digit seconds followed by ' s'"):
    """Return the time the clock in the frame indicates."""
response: 7 h 01 min
